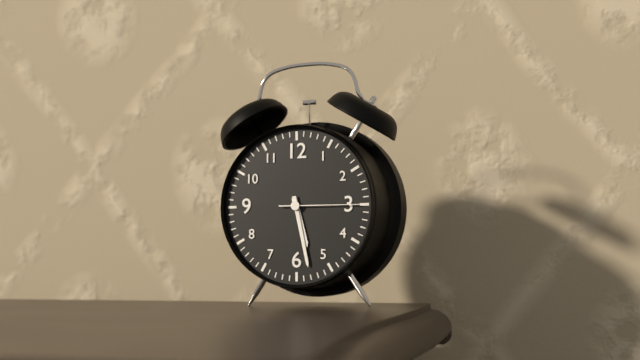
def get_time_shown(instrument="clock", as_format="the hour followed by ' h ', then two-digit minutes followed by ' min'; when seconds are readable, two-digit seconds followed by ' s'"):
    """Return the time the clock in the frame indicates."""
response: 5 h 28 min 15 s
